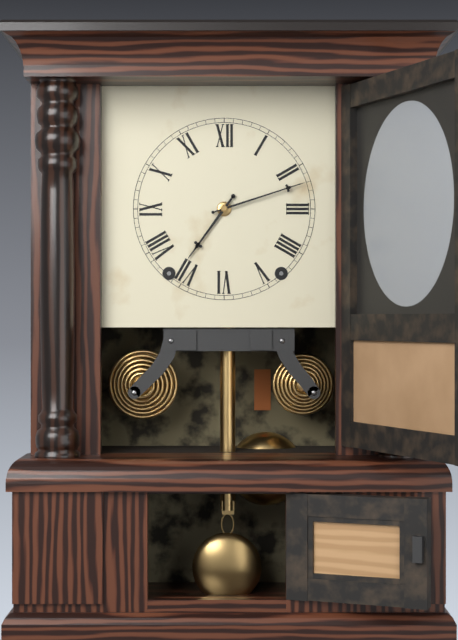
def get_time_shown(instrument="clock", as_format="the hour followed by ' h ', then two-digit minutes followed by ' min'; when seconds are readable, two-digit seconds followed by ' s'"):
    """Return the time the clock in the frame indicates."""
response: 7 h 12 min
